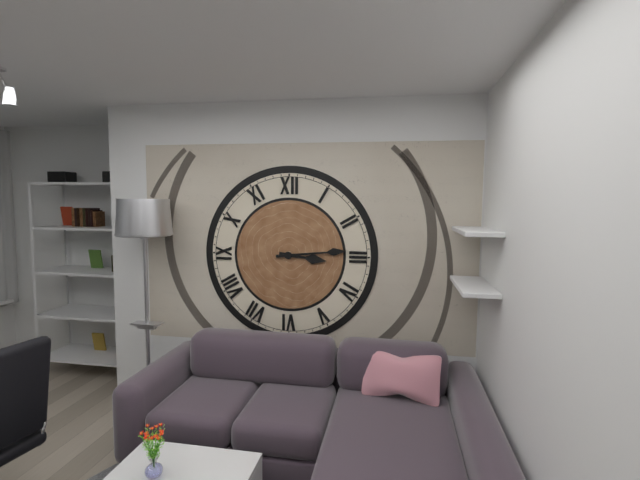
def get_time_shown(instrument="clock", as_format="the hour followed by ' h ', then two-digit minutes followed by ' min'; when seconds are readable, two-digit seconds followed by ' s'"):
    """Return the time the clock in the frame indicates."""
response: 3 h 14 min
